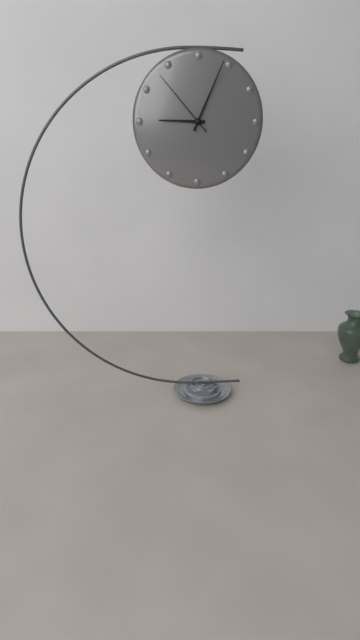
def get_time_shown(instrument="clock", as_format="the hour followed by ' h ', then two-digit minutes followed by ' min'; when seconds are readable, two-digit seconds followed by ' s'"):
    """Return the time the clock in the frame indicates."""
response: 9 h 04 min 53 s
